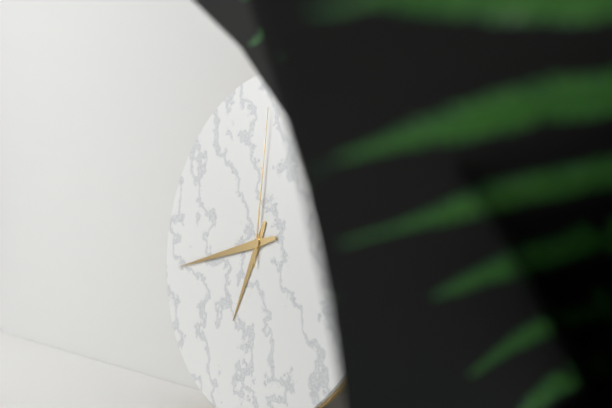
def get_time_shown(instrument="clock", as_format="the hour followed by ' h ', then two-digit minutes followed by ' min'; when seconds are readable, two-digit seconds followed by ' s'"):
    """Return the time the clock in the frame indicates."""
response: 6 h 43 min 00 s
